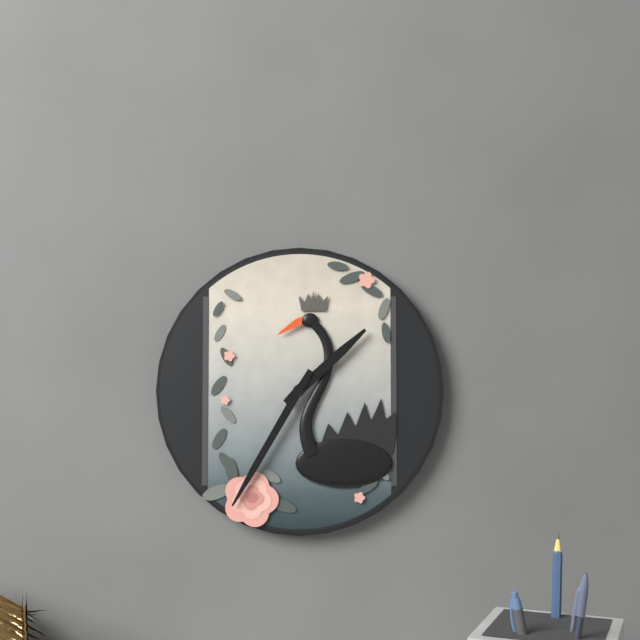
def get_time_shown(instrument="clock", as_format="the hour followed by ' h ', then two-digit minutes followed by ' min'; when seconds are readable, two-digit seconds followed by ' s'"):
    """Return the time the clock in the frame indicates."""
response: 1 h 35 min
